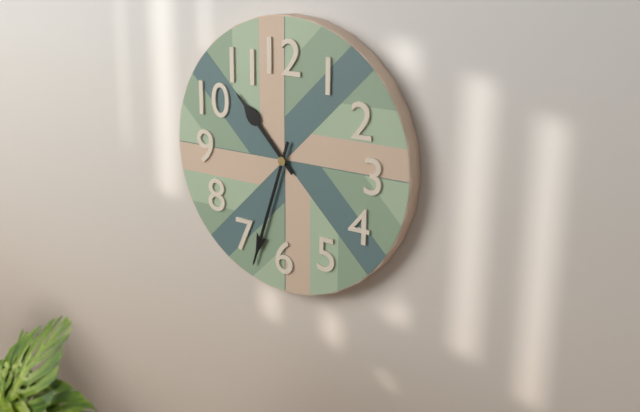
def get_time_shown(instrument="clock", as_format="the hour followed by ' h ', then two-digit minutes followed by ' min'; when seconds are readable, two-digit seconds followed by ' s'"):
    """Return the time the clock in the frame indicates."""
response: 10 h 33 min
